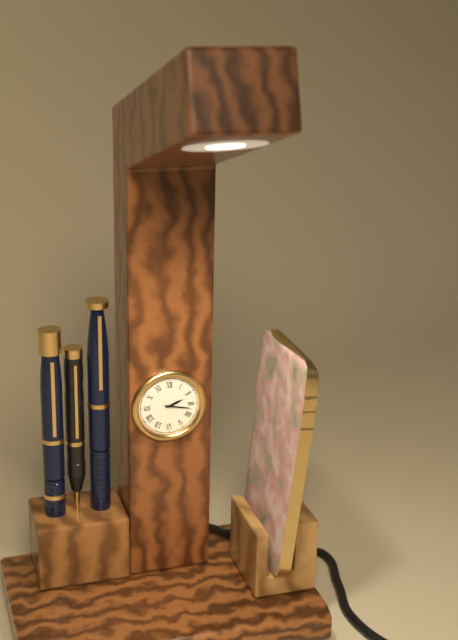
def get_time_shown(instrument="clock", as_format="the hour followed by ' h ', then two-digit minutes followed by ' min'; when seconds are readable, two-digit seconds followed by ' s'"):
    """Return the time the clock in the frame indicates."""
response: 2 h 17 min
